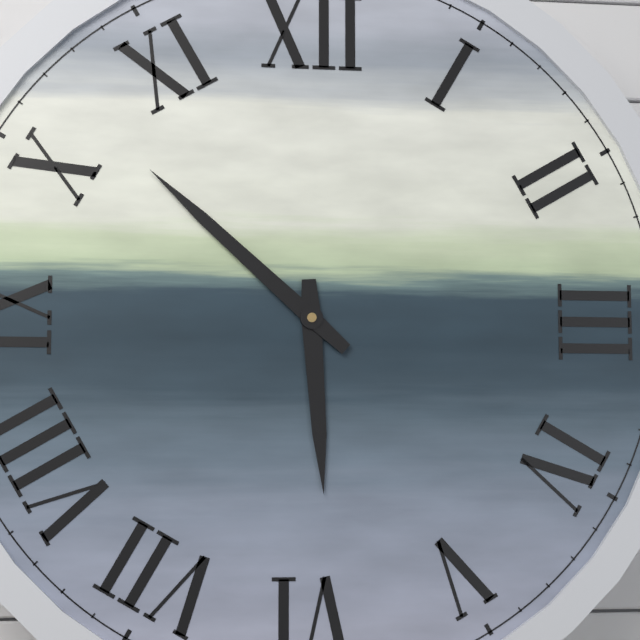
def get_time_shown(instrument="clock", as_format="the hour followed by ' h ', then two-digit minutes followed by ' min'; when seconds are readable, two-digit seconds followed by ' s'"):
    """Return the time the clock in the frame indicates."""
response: 5 h 52 min
